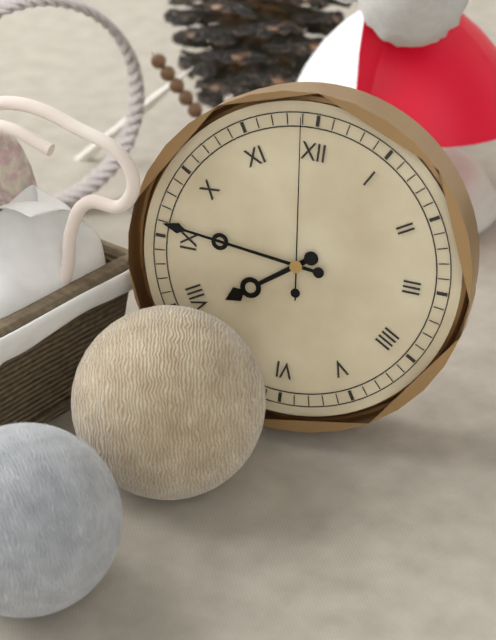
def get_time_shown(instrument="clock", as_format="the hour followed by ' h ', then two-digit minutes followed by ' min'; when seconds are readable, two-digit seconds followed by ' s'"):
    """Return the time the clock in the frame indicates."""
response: 7 h 46 min 59 s
